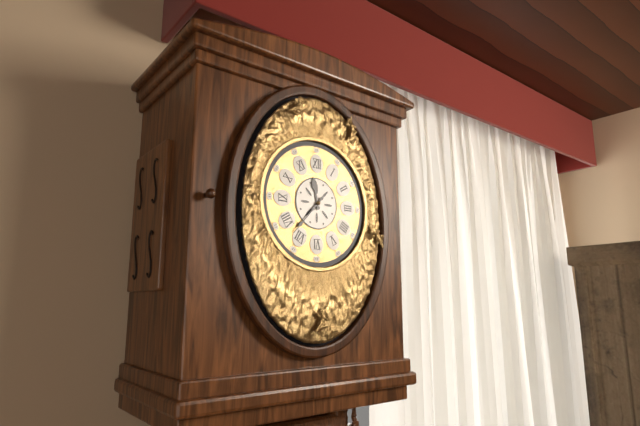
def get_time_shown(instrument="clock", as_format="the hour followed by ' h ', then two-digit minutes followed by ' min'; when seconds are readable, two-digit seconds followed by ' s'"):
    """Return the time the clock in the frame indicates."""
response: 11 h 37 min
